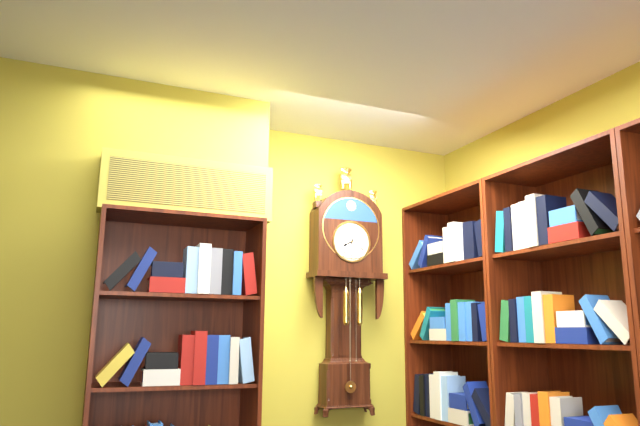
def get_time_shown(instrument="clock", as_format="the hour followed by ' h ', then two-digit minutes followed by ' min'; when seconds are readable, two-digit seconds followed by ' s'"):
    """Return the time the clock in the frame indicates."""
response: 8 h 03 min
